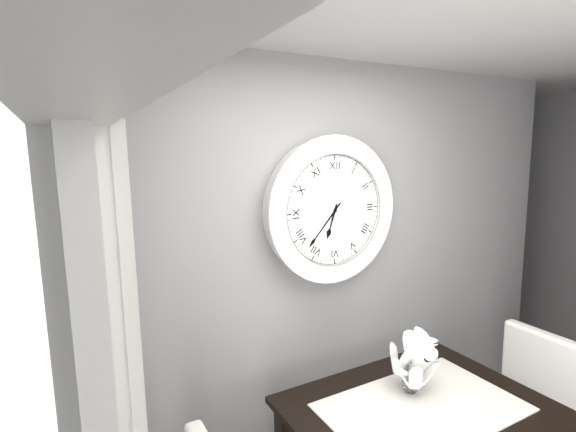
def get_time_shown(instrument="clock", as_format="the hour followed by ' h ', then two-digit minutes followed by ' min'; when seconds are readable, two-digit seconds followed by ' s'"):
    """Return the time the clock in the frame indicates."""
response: 6 h 37 min
